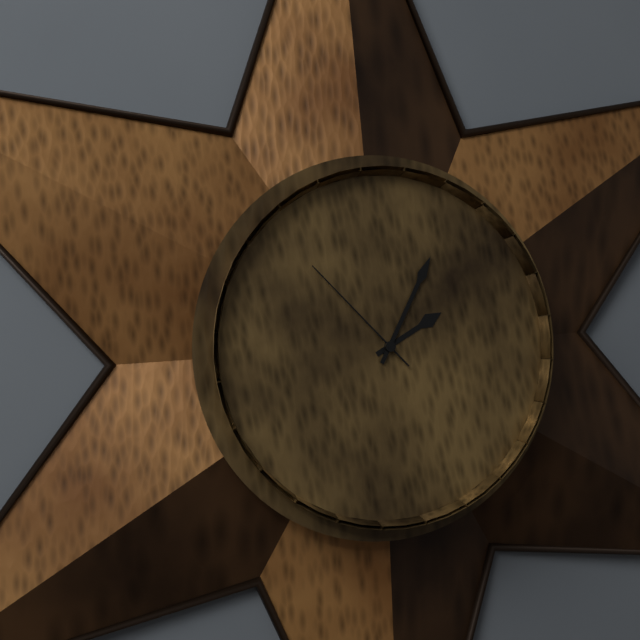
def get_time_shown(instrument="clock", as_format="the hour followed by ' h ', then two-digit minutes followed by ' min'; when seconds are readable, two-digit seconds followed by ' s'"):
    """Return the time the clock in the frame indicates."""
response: 2 h 05 min 53 s
